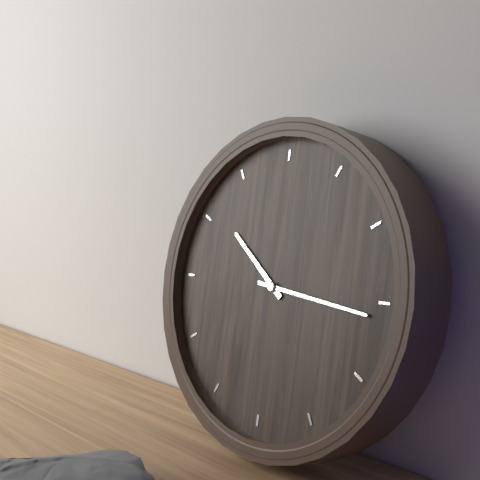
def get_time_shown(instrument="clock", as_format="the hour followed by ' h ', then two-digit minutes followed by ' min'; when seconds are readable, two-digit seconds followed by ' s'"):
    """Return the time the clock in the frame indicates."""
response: 10 h 16 min
